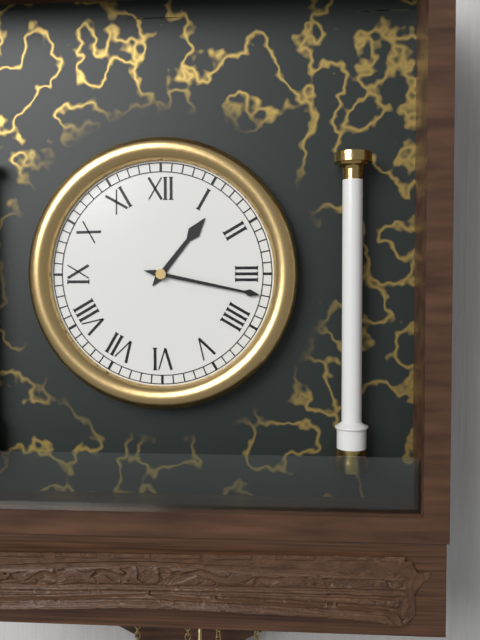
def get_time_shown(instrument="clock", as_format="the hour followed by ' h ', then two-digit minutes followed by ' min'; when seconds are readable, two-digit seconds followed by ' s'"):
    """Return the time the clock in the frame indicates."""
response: 1 h 17 min
